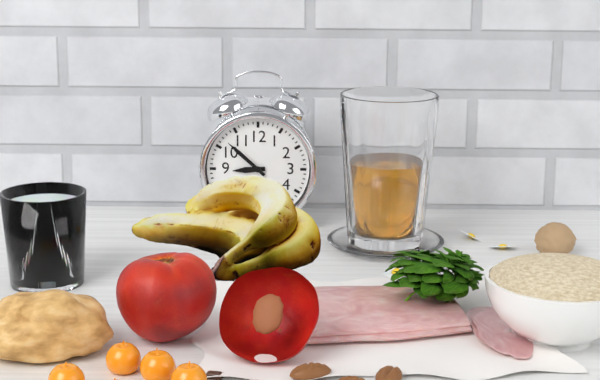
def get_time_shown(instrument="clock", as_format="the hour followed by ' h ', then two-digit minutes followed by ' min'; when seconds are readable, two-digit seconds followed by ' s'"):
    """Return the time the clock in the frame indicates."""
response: 8 h 52 min
